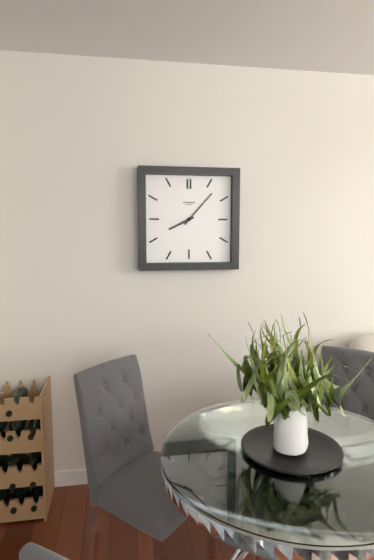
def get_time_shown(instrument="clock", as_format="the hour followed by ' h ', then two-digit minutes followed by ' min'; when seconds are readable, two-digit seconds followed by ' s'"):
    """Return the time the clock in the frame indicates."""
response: 8 h 07 min
